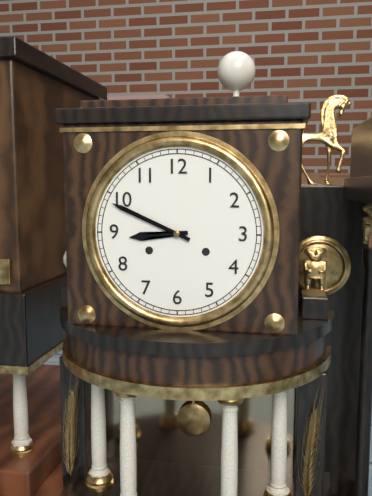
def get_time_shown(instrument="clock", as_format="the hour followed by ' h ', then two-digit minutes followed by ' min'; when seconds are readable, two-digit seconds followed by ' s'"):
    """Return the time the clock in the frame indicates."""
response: 8 h 49 min
